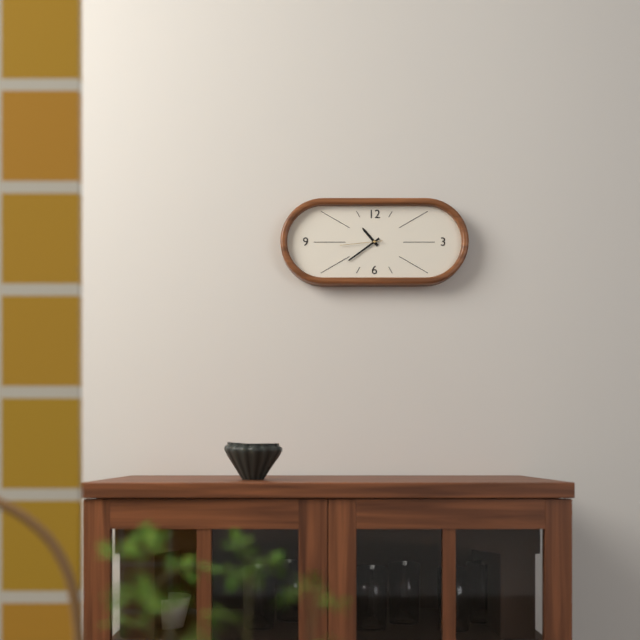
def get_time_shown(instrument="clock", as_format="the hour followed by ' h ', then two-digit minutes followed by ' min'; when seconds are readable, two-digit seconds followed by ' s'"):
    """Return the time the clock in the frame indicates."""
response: 10 h 39 min
